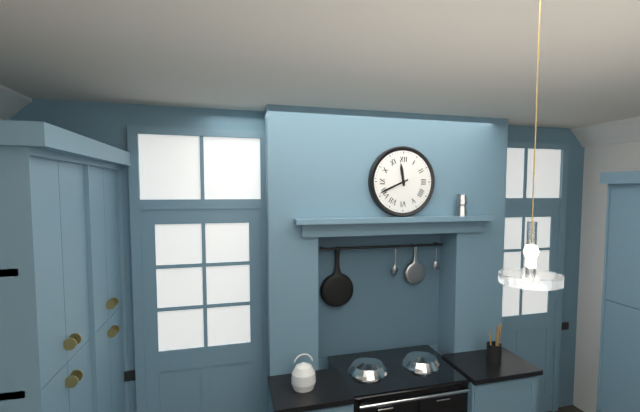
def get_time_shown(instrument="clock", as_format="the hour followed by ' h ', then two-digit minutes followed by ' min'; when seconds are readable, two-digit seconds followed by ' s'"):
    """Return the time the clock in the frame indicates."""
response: 11 h 41 min
